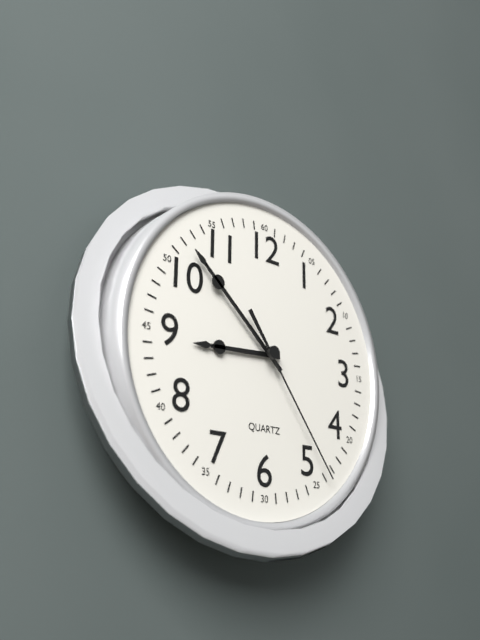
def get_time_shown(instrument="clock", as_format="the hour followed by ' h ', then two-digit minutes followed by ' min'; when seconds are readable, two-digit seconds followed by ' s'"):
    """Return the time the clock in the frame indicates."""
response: 8 h 52 min 24 s
